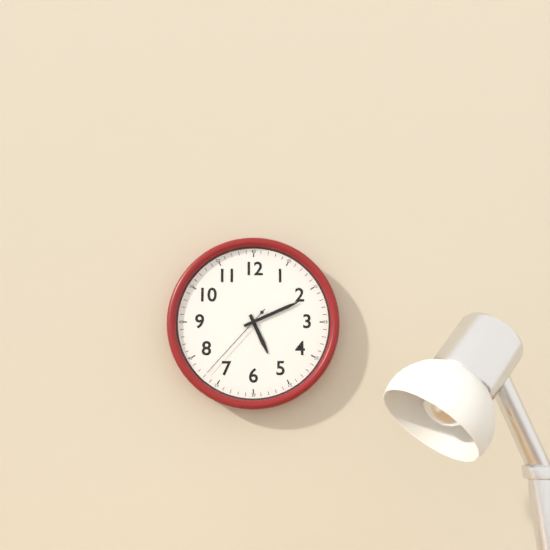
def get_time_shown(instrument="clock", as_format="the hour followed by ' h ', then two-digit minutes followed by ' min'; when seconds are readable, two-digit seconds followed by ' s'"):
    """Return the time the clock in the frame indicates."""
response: 5 h 11 min 37 s
